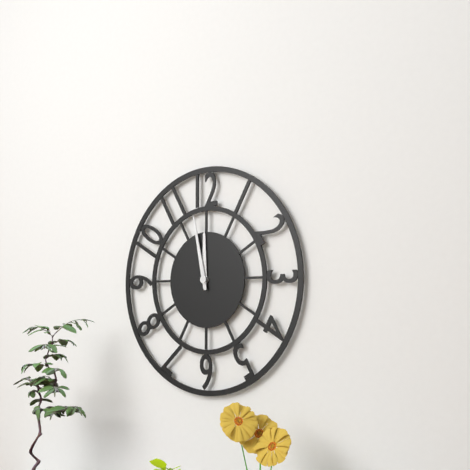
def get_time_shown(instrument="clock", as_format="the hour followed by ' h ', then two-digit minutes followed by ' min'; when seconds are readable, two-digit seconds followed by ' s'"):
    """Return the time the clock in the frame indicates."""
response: 11 h 58 min
